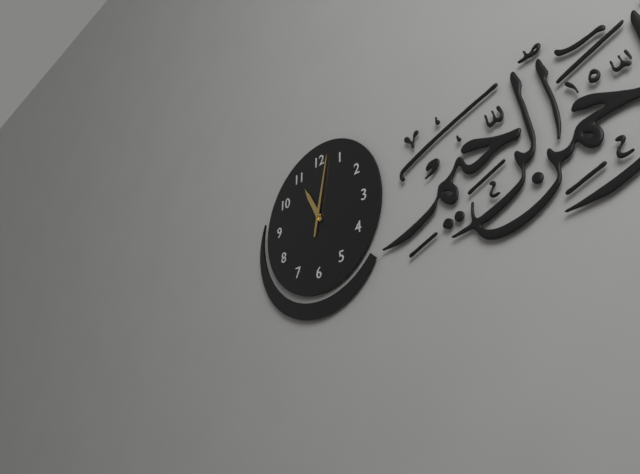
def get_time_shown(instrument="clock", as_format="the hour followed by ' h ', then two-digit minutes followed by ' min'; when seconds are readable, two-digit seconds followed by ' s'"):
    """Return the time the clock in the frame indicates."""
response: 11 h 02 min
